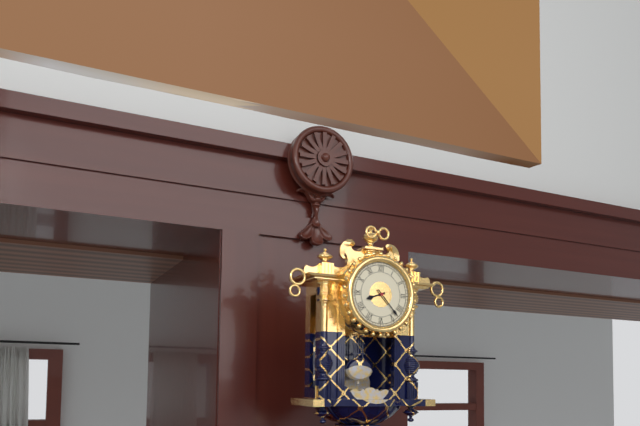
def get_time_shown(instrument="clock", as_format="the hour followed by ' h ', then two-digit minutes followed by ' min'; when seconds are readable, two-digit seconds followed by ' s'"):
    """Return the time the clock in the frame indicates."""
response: 8 h 23 min
